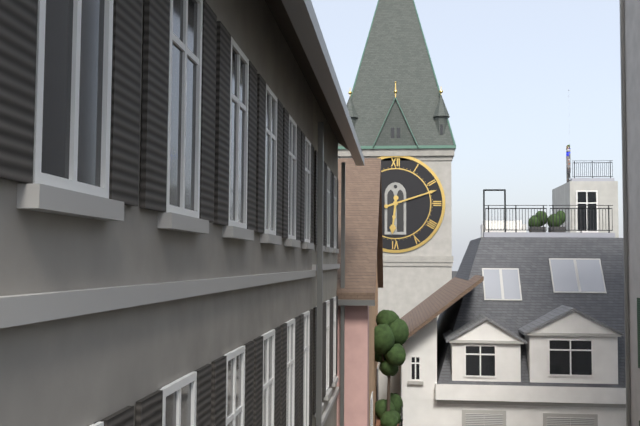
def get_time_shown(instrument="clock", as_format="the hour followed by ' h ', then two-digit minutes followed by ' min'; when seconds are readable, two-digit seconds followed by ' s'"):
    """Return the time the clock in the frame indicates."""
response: 6 h 12 min
